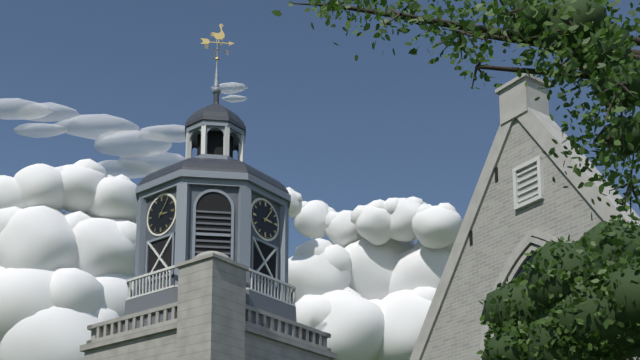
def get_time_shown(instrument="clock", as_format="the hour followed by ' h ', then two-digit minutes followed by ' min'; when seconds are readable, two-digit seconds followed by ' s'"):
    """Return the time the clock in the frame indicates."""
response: 3 h 06 min
